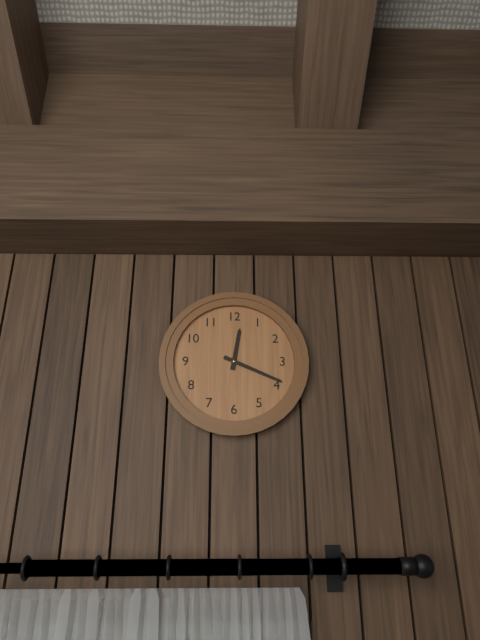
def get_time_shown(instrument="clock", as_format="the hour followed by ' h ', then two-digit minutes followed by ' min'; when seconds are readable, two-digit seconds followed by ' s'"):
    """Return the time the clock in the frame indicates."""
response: 12 h 19 min
